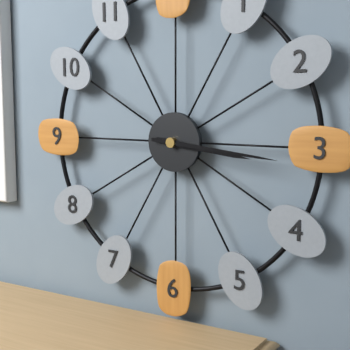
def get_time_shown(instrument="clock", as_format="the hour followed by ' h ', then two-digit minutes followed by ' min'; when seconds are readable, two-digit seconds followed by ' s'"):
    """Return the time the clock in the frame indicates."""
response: 3 h 16 min
